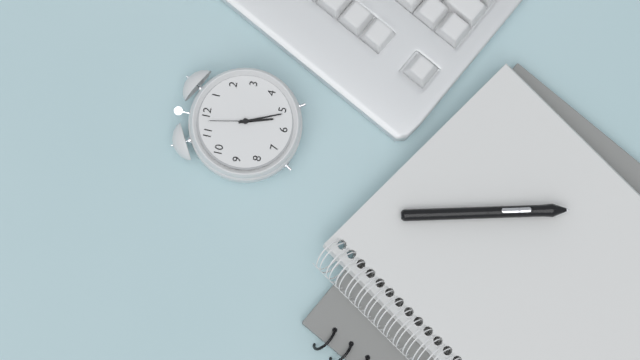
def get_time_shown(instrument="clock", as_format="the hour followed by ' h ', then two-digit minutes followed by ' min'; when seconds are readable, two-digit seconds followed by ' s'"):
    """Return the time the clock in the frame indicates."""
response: 5 h 26 min
